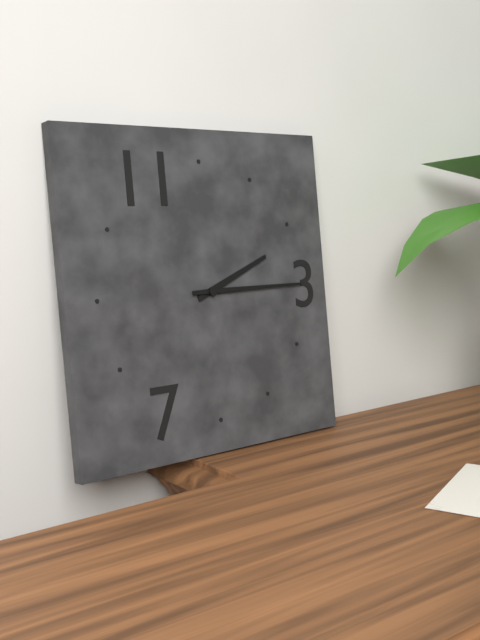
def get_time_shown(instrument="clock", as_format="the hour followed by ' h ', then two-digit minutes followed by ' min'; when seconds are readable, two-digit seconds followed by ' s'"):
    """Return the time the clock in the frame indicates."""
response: 2 h 15 min
